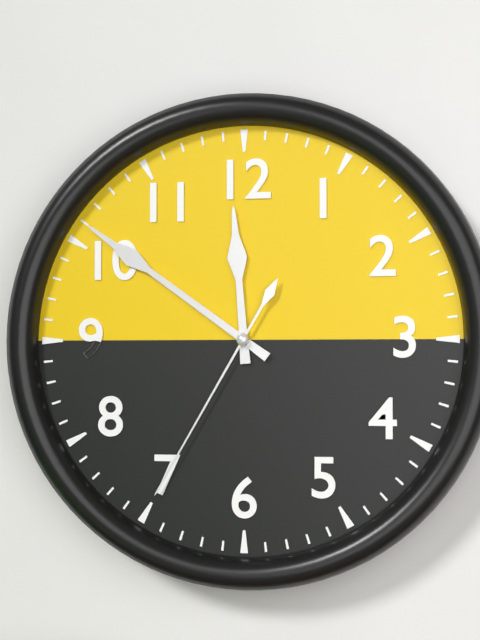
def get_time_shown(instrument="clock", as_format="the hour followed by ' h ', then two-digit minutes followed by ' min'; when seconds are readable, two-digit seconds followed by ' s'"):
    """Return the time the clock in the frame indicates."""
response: 11 h 51 min 35 s
